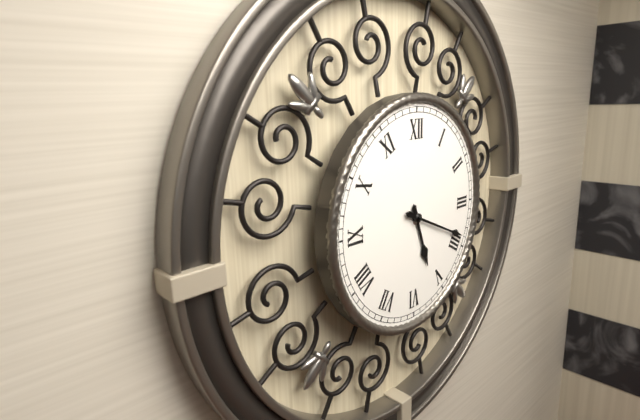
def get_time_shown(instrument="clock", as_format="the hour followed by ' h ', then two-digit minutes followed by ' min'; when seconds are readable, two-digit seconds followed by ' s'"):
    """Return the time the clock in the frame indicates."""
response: 5 h 19 min
